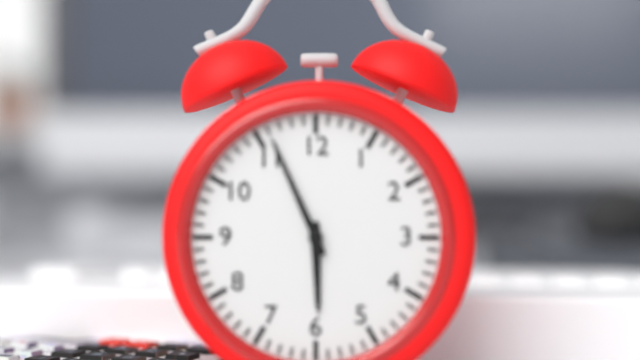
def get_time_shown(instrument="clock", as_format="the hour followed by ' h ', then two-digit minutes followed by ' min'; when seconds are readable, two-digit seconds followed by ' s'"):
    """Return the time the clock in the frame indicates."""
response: 5 h 56 min
